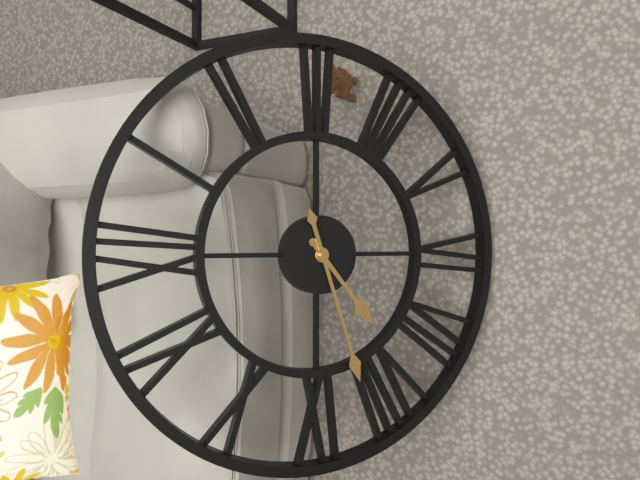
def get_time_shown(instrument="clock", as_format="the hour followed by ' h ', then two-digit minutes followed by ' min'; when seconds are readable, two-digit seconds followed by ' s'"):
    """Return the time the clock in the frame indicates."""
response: 7 h 42 min
